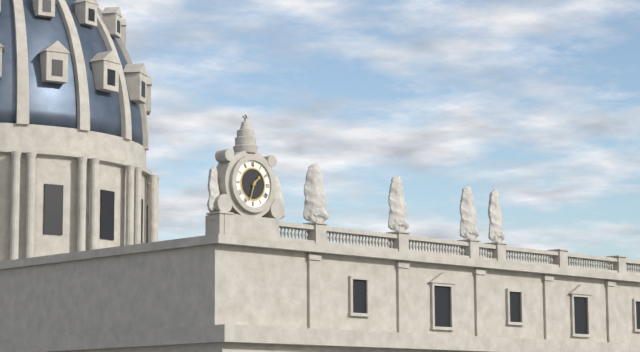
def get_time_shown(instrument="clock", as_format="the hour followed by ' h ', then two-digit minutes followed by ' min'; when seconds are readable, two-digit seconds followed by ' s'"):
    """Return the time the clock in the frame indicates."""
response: 1 h 33 min
